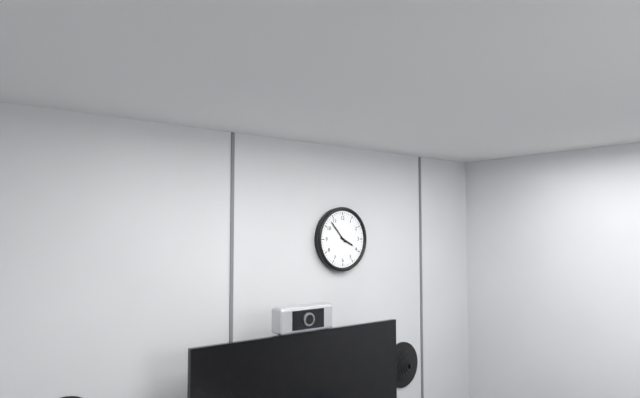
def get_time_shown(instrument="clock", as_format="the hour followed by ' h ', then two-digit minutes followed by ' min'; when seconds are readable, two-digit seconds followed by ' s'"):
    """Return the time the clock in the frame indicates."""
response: 3 h 53 min
